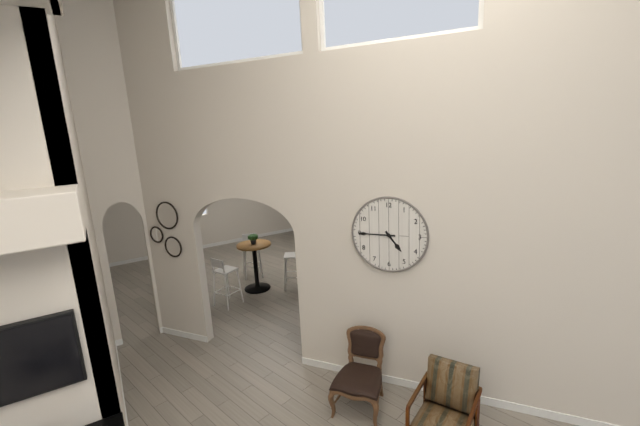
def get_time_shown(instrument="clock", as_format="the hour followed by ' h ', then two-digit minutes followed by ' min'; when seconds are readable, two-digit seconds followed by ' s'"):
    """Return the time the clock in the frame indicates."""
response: 4 h 45 min
